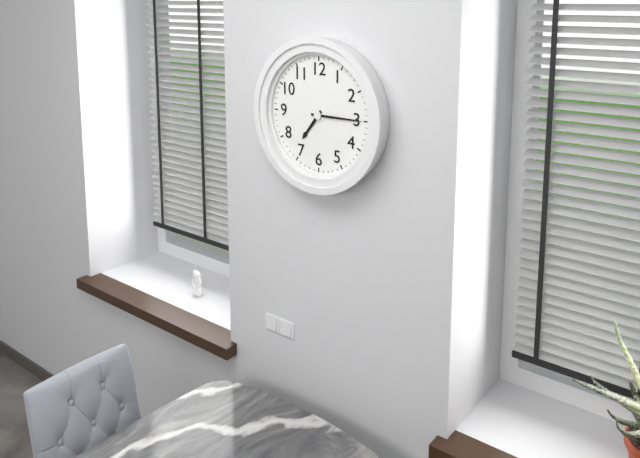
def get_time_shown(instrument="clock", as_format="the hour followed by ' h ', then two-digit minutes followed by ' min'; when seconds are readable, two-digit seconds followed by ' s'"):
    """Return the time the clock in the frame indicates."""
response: 7 h 15 min
